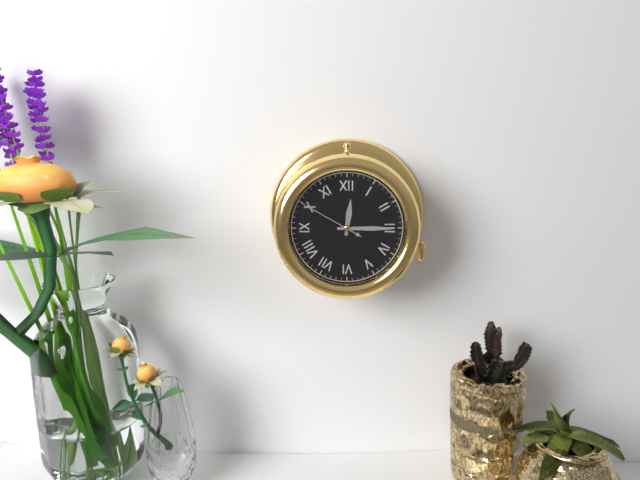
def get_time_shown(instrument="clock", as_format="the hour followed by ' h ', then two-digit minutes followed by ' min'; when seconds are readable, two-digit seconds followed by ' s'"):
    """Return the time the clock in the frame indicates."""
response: 12 h 15 min 50 s
